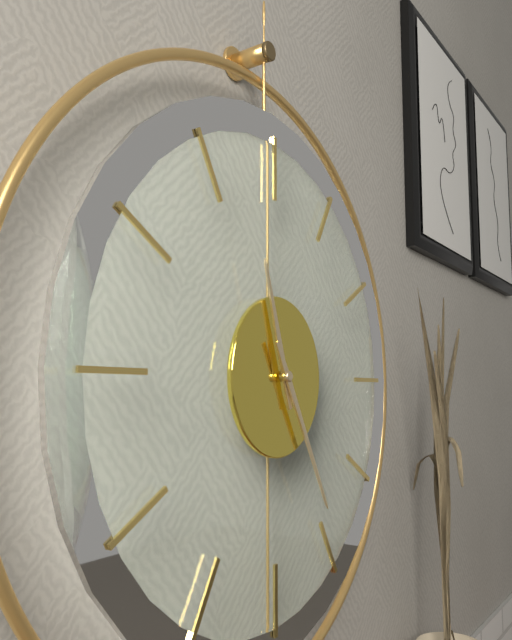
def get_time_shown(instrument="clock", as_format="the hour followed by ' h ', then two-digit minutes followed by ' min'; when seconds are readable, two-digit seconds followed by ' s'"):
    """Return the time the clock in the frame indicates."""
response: 11 h 25 min
